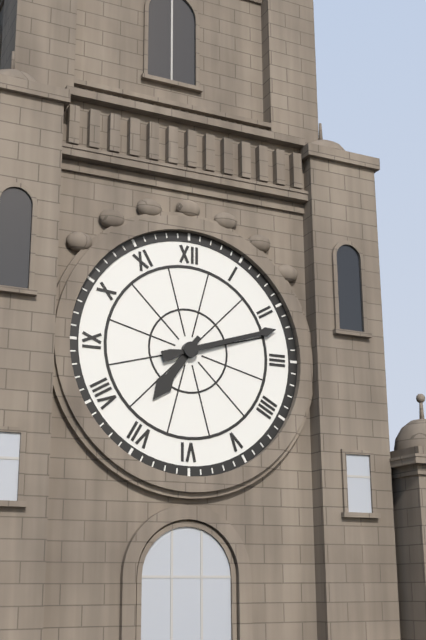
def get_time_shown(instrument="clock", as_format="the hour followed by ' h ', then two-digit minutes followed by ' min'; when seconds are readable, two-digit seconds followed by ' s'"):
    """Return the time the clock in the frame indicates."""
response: 7 h 12 min
